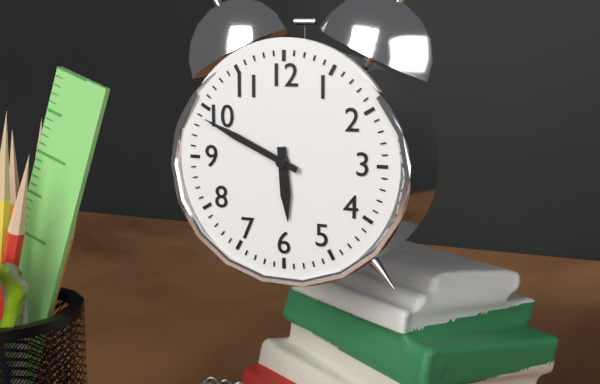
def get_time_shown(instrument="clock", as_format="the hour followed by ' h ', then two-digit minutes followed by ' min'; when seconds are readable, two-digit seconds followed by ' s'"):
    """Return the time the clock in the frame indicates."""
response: 5 h 49 min
